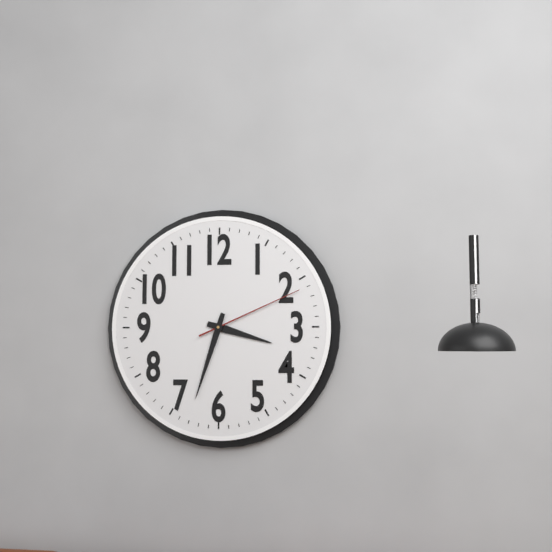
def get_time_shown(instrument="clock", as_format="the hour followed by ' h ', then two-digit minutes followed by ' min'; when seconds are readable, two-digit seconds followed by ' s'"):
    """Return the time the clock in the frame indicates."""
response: 3 h 33 min 11 s
